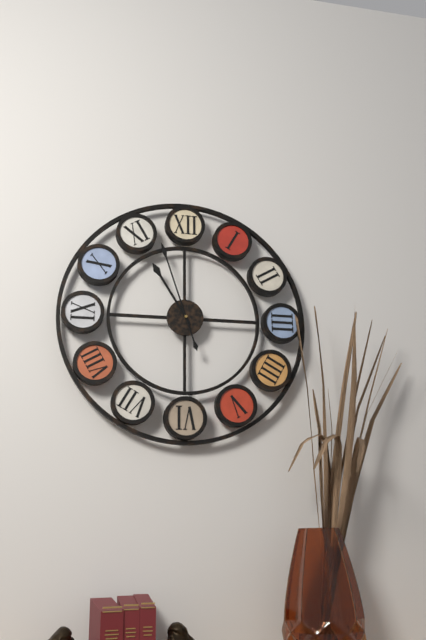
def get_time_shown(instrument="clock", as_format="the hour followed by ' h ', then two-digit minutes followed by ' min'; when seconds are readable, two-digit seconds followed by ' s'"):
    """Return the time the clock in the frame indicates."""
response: 10 h 57 min
